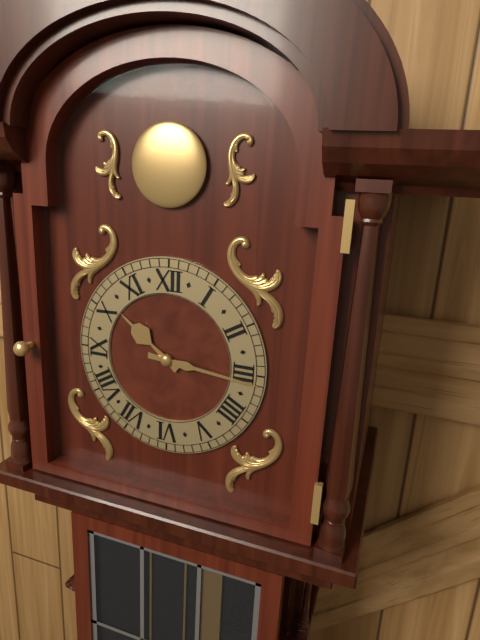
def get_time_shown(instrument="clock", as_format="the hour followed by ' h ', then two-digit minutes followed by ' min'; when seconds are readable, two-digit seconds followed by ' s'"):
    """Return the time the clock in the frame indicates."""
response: 10 h 16 min
